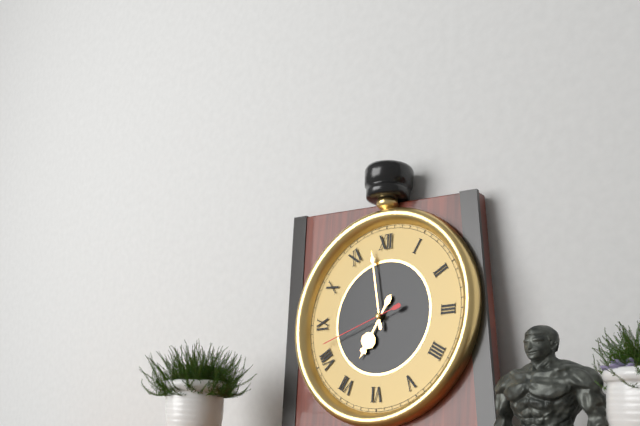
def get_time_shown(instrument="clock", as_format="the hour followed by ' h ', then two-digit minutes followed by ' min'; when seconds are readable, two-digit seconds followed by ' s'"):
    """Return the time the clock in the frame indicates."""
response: 6 h 58 min 42 s
